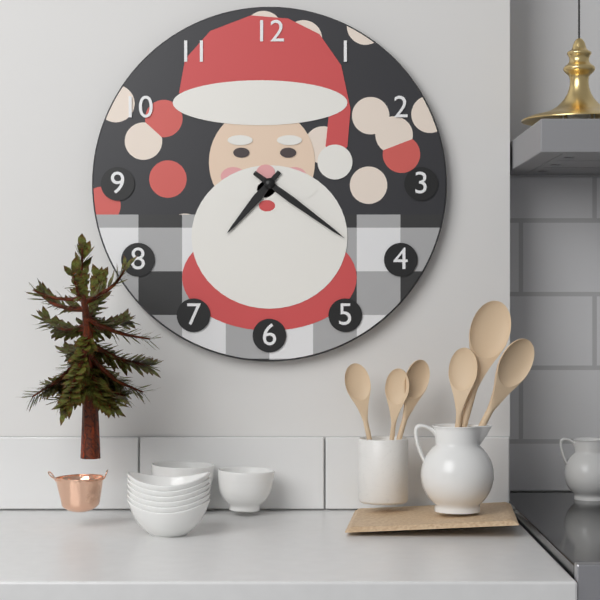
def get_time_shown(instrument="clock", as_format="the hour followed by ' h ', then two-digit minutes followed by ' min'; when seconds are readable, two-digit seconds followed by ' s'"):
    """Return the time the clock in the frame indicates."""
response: 7 h 21 min
